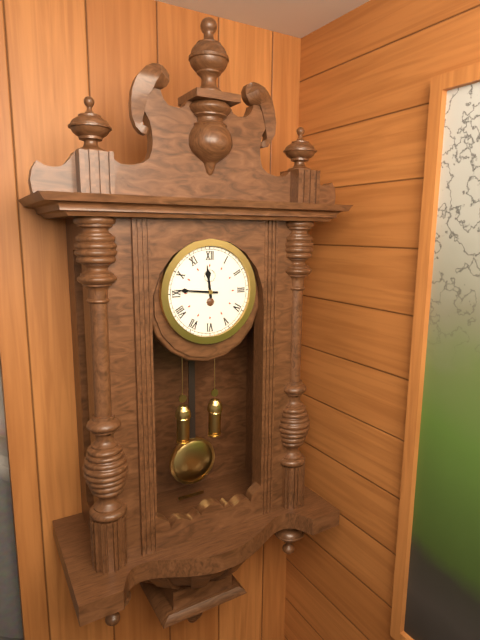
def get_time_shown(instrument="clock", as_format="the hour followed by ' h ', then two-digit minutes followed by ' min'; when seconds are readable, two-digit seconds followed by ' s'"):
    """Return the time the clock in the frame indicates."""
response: 11 h 46 min
